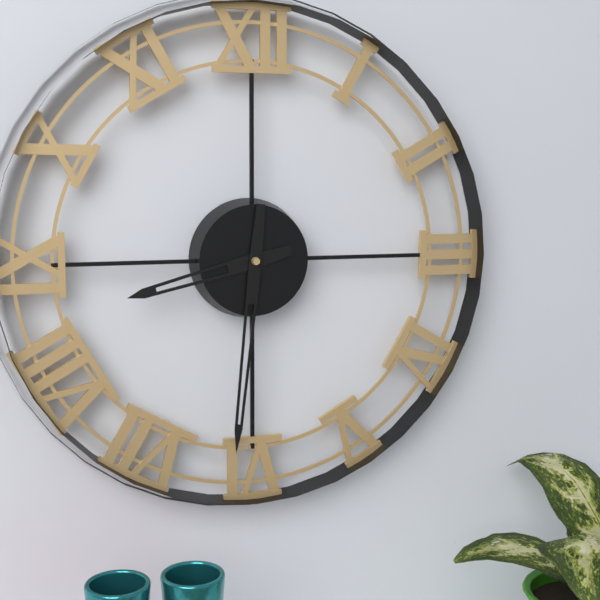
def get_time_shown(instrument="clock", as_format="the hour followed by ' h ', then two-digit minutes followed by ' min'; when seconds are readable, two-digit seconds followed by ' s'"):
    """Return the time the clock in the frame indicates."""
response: 8 h 31 min
